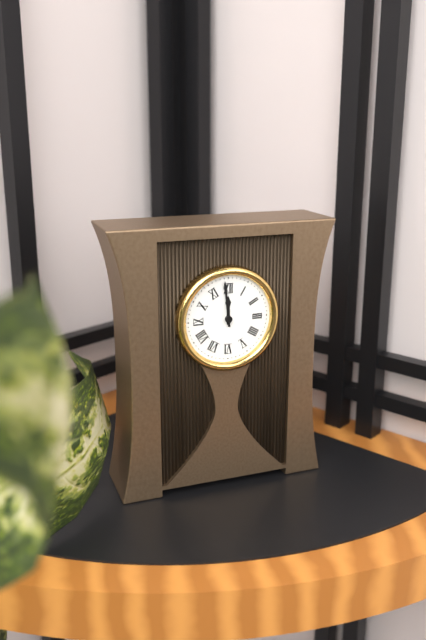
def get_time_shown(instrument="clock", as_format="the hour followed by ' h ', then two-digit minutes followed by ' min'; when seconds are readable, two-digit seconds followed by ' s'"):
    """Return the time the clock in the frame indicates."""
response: 11 h 59 min
